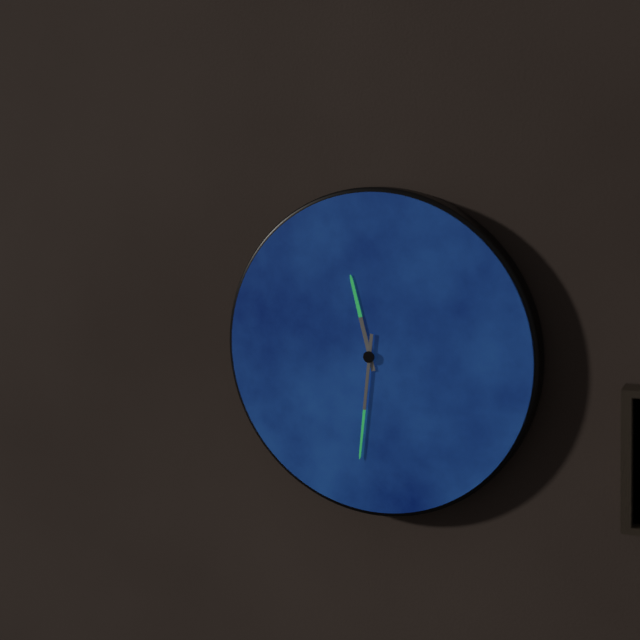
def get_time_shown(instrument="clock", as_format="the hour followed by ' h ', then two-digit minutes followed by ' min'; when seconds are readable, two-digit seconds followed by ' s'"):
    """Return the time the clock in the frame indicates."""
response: 11 h 31 min
